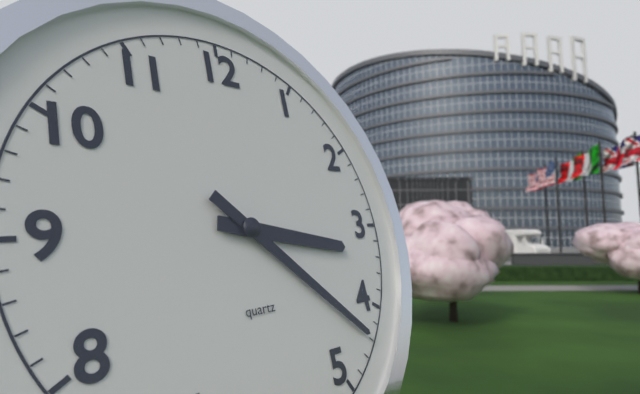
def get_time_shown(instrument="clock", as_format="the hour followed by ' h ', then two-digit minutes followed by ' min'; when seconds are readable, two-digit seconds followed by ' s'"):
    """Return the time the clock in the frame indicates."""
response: 3 h 22 min
